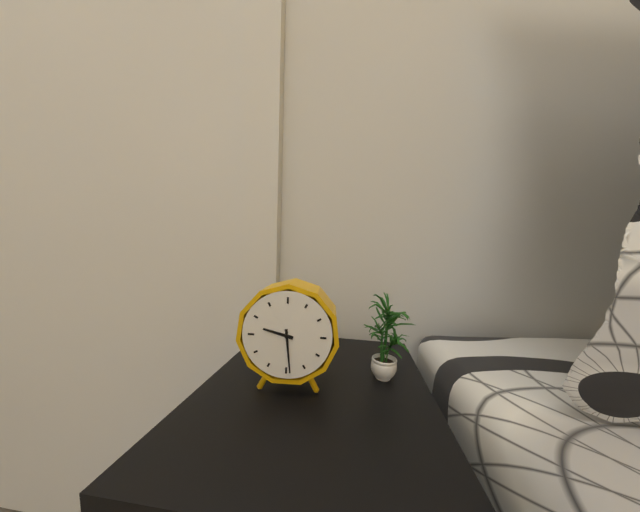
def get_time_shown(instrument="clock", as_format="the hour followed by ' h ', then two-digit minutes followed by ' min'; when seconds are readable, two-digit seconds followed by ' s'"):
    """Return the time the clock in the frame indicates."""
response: 9 h 29 min
